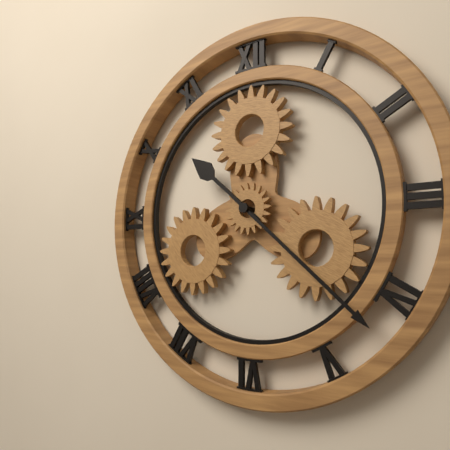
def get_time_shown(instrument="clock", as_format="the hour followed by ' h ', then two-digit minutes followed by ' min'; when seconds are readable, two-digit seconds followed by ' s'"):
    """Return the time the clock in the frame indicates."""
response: 10 h 22 min
